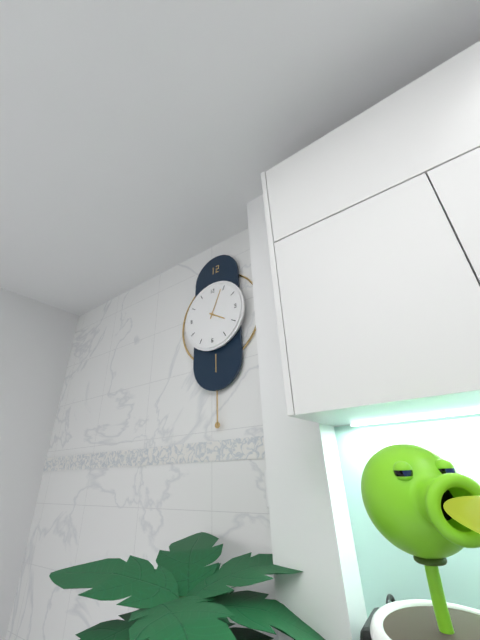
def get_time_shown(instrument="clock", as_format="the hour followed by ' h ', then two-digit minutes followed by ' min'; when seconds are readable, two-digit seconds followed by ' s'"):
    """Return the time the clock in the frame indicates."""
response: 4 h 04 min
